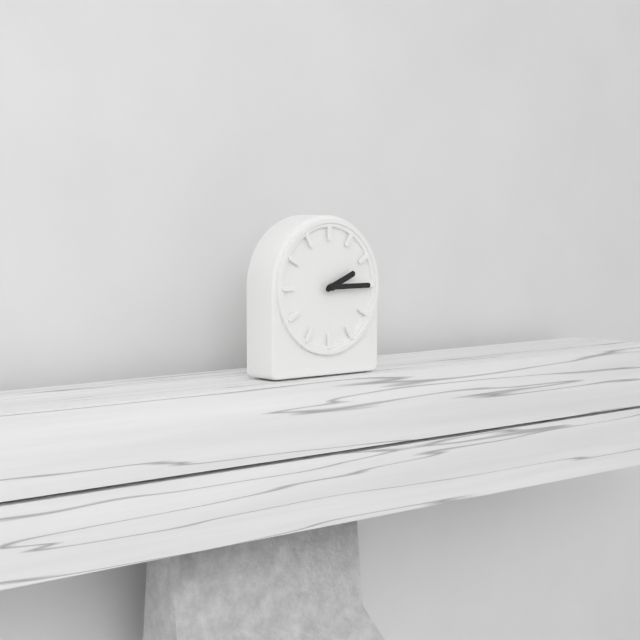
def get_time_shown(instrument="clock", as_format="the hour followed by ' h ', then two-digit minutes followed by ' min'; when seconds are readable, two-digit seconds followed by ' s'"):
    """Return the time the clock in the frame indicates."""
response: 2 h 15 min
